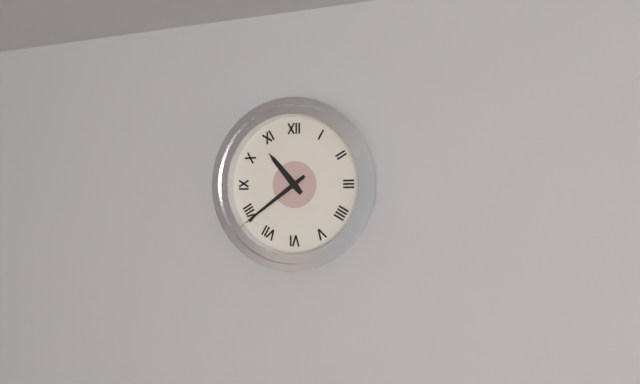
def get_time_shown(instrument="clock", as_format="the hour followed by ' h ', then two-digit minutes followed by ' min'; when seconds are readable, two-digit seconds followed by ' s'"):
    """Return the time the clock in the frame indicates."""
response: 10 h 39 min
